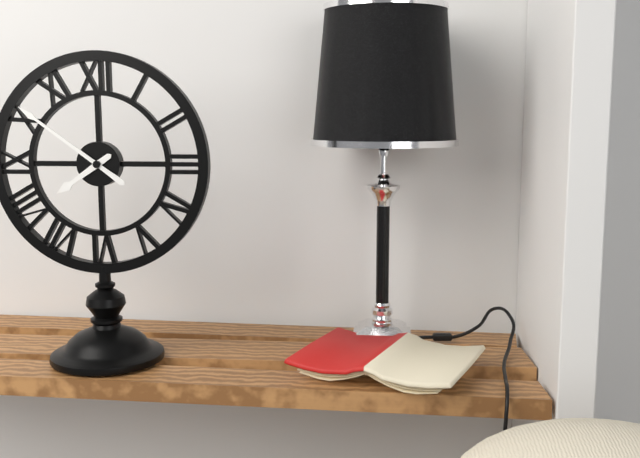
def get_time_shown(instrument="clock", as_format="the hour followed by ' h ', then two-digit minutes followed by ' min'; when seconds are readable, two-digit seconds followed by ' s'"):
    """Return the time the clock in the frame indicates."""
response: 7 h 51 min
